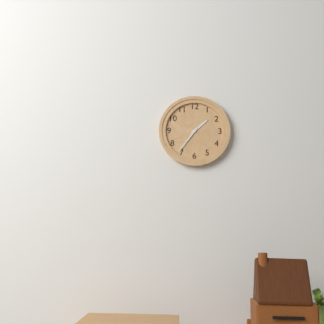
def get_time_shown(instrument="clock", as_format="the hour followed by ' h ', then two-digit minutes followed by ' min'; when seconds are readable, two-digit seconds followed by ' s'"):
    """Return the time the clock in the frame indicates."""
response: 1 h 36 min
